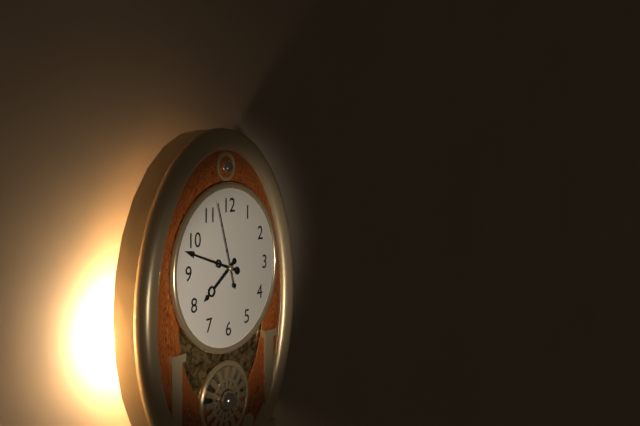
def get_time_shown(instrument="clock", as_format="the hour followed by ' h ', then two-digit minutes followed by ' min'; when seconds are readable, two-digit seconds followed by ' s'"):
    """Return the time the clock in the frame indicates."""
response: 7 h 48 min 57 s
